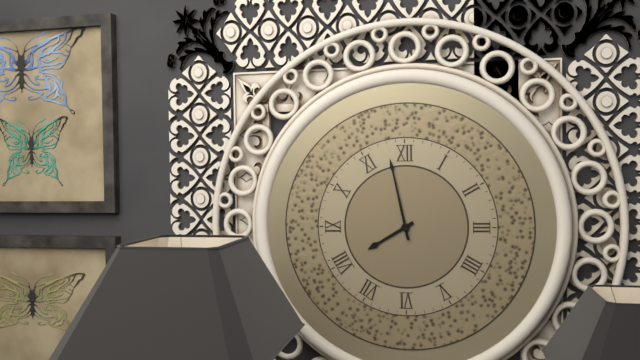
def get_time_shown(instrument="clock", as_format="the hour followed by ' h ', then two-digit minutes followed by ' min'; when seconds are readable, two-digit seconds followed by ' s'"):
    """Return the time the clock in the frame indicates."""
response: 7 h 58 min
